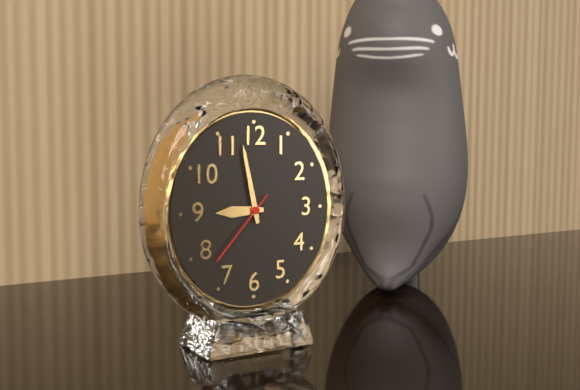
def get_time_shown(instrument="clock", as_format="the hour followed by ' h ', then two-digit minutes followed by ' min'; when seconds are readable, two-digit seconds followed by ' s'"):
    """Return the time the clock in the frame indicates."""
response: 8 h 58 min 37 s
